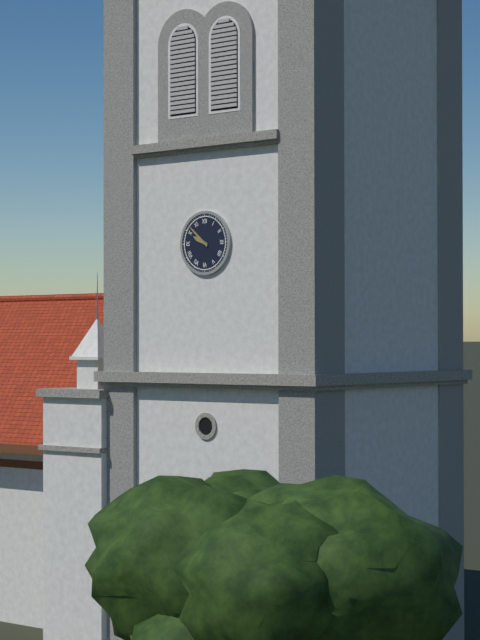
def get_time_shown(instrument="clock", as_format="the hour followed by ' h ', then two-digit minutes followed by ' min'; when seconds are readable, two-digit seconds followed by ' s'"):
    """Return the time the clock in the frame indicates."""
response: 9 h 52 min
